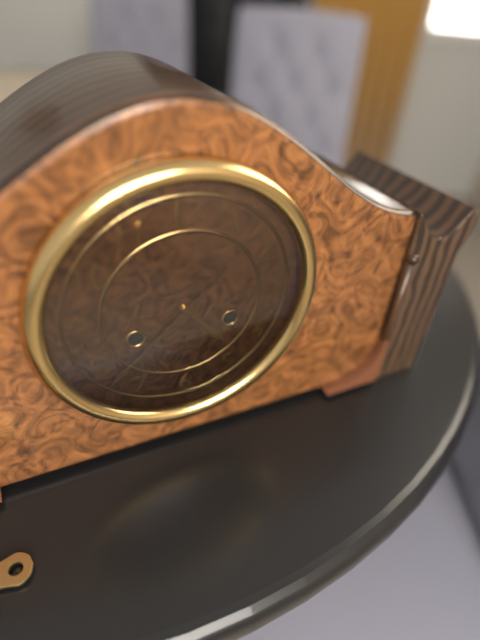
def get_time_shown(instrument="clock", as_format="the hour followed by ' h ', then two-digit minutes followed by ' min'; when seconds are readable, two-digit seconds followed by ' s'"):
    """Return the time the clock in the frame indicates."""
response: 4 h 38 min
